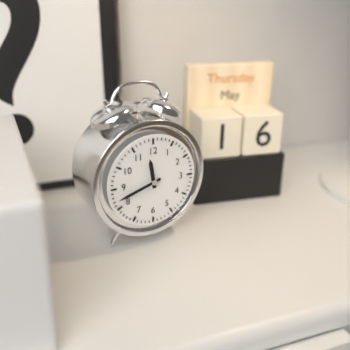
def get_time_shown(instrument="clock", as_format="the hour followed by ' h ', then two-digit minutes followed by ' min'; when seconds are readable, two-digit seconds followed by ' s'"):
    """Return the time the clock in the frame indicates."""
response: 11 h 42 min
